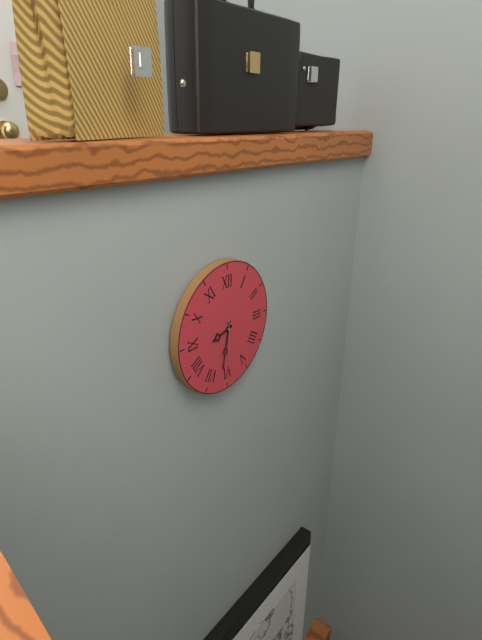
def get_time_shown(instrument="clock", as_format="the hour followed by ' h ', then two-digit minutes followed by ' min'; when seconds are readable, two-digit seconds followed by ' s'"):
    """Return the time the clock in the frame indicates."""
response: 8 h 32 min
